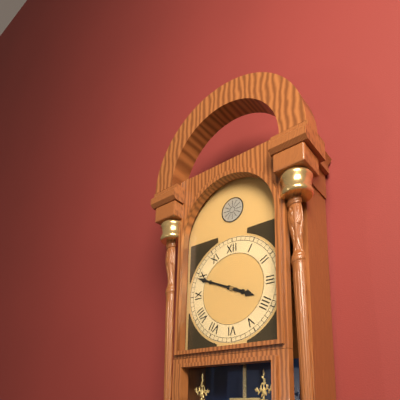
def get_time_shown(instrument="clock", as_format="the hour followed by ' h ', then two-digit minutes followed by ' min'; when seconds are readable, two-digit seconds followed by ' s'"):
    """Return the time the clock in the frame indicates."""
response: 3 h 49 min
